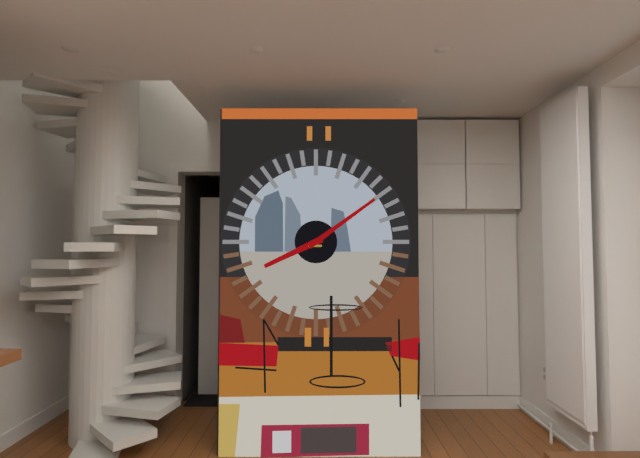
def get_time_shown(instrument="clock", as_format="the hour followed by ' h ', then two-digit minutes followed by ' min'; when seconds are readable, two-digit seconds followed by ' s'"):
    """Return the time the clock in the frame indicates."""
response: 8 h 09 min
